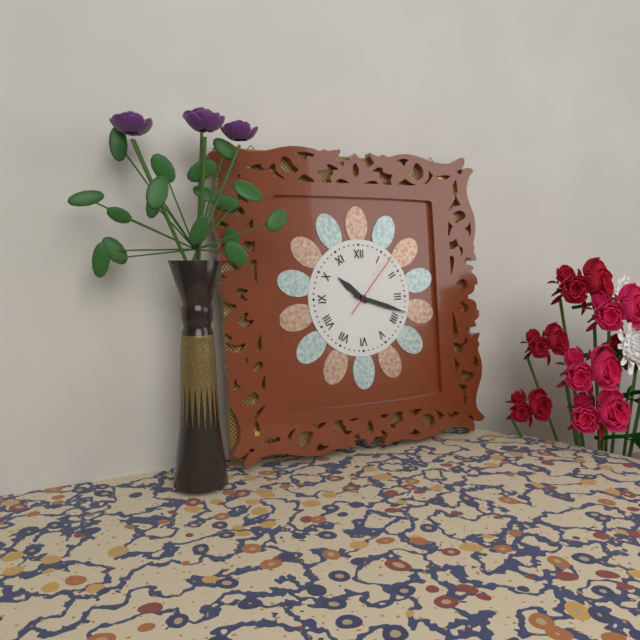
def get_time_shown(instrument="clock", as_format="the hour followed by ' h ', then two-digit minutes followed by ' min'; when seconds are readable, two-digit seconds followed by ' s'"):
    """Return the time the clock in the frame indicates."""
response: 10 h 18 min 07 s
